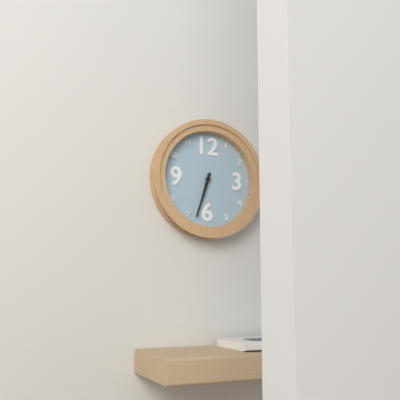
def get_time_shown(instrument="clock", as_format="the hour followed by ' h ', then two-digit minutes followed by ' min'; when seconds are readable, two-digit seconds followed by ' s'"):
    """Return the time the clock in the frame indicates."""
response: 6 h 33 min
